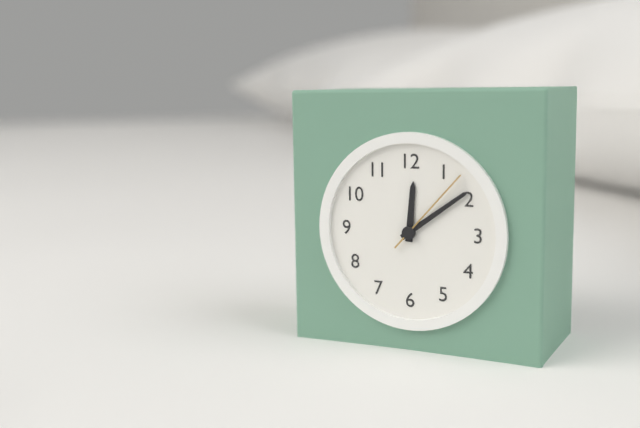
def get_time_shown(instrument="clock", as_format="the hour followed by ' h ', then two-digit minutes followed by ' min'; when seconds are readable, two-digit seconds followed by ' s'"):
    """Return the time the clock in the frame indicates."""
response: 12 h 09 min 07 s
